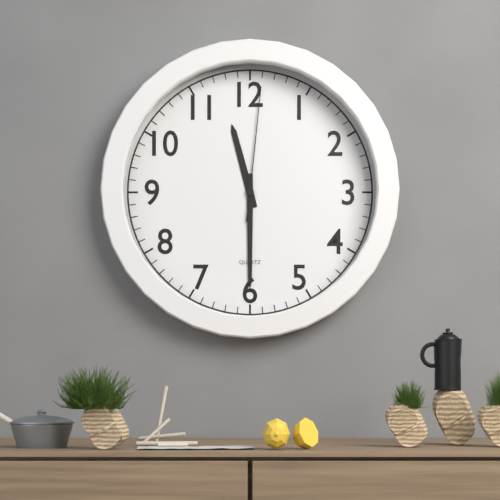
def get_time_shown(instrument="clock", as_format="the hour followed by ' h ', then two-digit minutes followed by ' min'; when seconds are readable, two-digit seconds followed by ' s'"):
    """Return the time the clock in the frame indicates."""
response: 11 h 30 min 01 s
